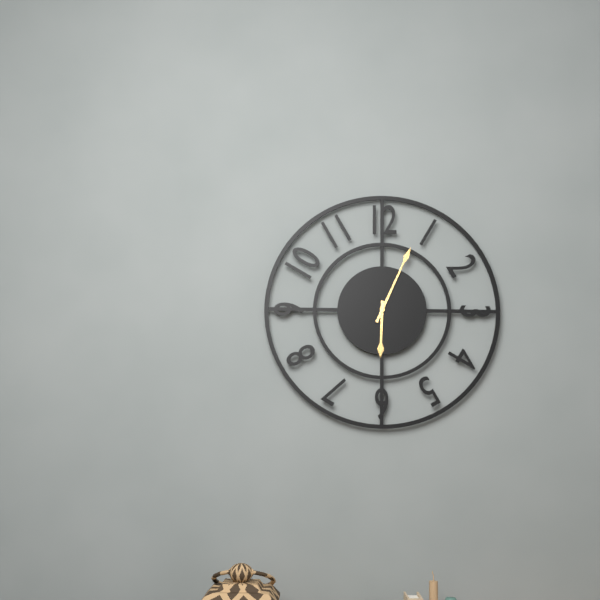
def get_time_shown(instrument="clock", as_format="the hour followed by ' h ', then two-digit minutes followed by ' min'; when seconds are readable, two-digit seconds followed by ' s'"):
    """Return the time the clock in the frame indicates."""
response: 6 h 04 min
